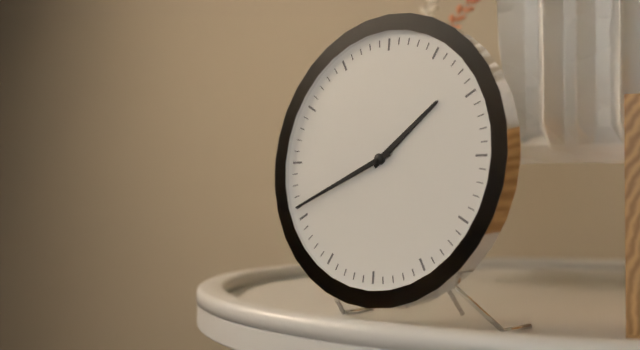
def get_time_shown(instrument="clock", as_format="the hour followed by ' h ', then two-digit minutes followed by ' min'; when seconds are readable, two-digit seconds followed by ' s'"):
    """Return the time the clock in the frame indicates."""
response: 1 h 41 min
